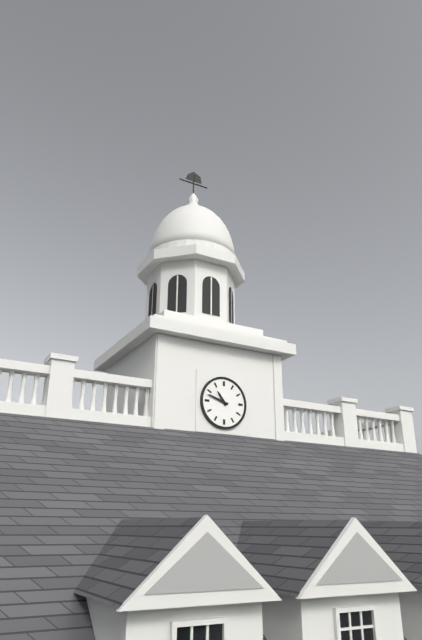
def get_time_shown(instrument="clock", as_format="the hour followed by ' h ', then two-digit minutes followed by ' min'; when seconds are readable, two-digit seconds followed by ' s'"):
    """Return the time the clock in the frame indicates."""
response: 10 h 48 min
